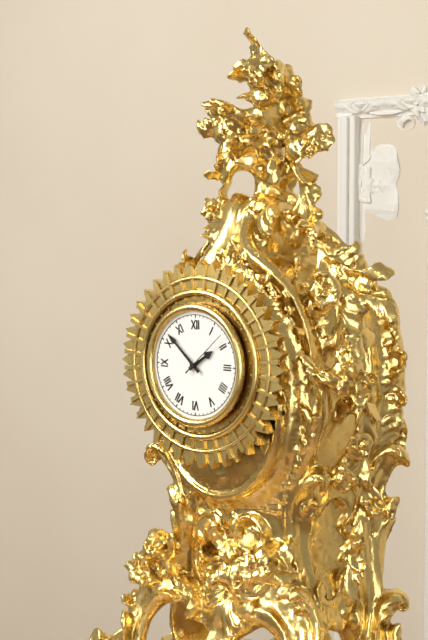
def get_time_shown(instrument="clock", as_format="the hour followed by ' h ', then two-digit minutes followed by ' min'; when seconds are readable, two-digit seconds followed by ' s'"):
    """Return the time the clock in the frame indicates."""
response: 1 h 52 min
